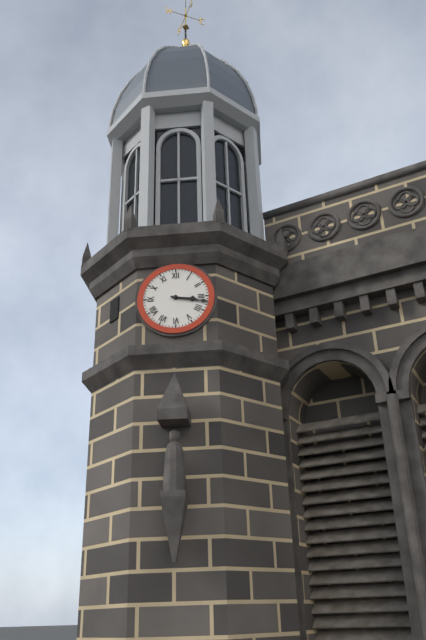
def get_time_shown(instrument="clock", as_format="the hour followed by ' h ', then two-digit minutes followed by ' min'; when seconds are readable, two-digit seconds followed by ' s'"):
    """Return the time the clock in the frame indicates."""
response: 3 h 17 min
